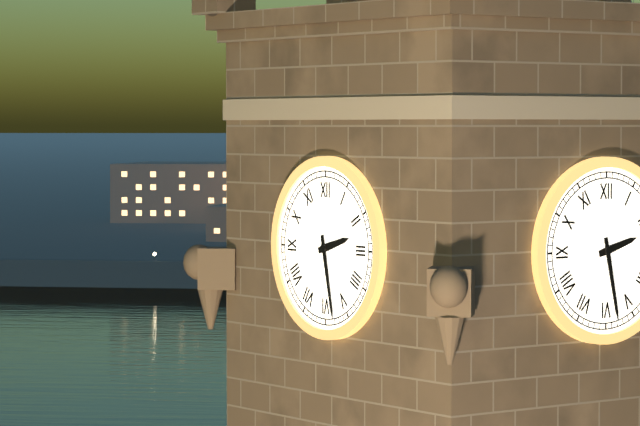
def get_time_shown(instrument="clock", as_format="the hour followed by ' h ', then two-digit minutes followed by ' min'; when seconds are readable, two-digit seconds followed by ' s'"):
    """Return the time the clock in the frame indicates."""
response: 2 h 28 min
